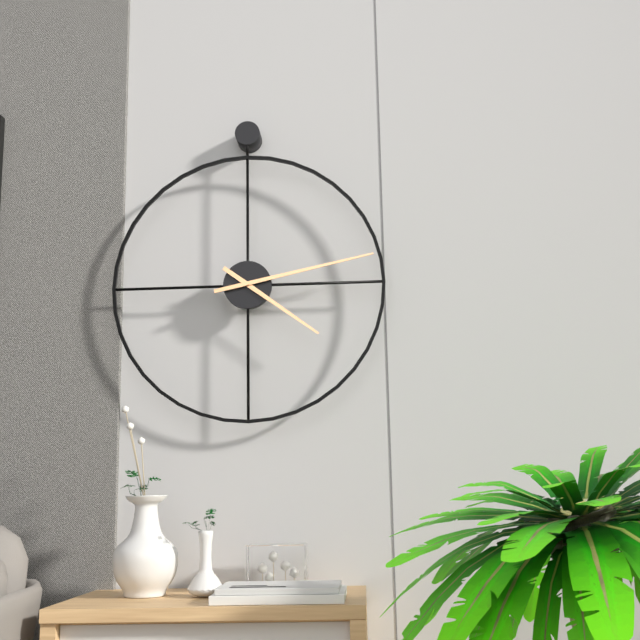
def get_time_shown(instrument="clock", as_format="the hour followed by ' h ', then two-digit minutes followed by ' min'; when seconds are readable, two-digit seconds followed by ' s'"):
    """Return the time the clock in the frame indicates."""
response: 4 h 13 min
